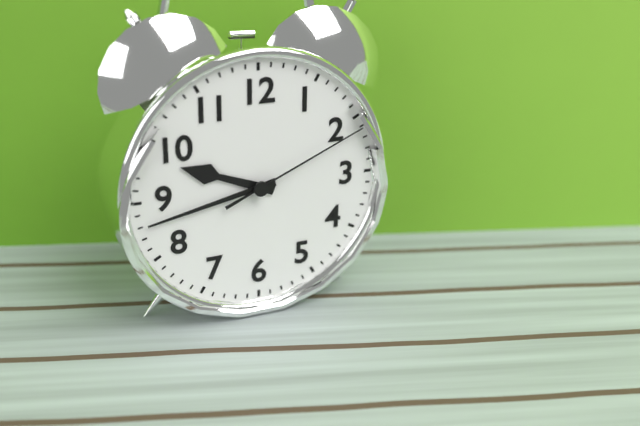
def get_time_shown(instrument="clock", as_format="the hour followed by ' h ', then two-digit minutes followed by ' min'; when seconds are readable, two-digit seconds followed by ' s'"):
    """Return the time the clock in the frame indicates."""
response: 9 h 43 min 11 s
